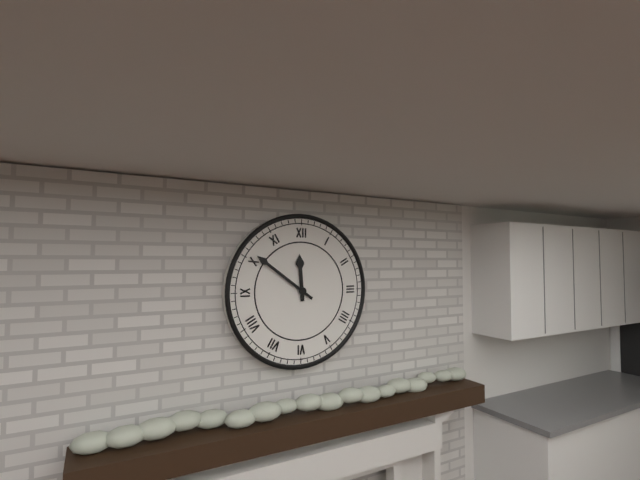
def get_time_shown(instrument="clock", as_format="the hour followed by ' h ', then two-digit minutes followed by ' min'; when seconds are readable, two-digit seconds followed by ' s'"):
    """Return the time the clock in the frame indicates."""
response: 11 h 51 min
